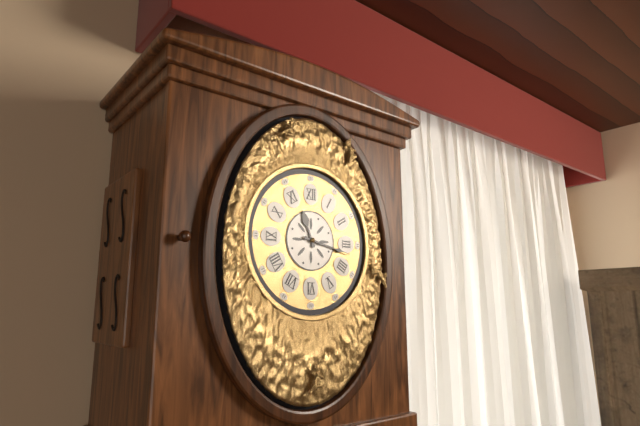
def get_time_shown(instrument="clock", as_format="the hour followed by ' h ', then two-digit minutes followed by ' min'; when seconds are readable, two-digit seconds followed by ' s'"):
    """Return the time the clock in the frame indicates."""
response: 11 h 17 min
